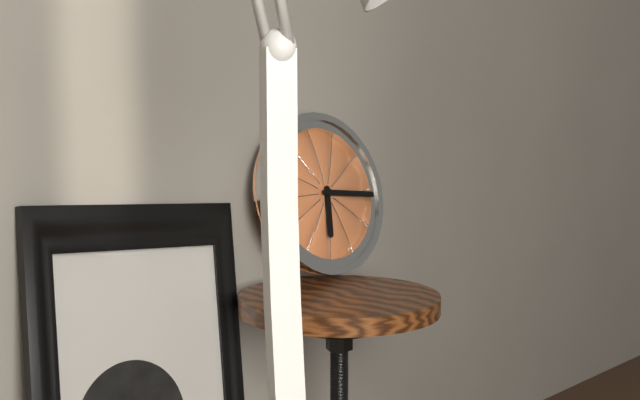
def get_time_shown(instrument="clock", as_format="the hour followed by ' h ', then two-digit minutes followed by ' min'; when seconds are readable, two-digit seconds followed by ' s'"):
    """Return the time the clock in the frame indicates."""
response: 6 h 16 min
